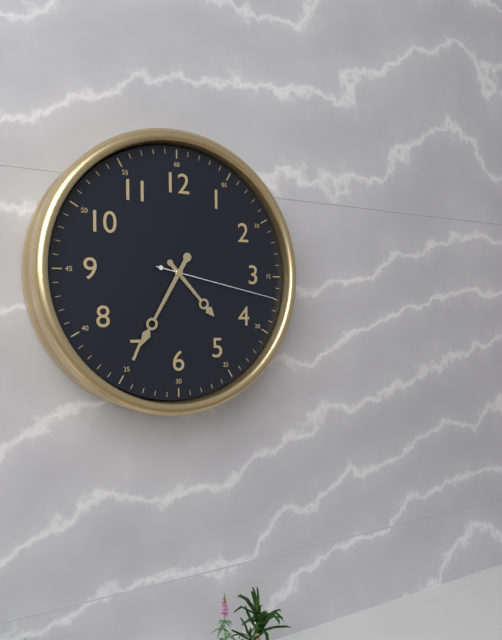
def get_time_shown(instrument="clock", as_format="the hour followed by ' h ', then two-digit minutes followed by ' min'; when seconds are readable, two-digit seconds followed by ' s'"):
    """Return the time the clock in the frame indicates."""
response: 4 h 35 min 17 s
